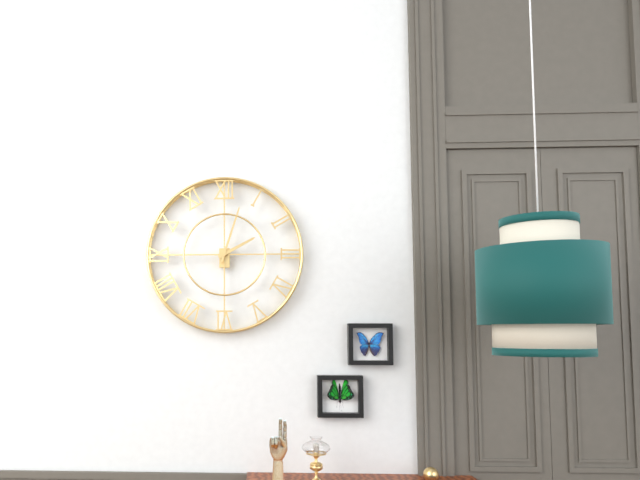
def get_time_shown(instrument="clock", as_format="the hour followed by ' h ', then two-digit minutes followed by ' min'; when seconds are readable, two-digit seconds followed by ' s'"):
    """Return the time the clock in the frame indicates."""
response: 2 h 03 min
